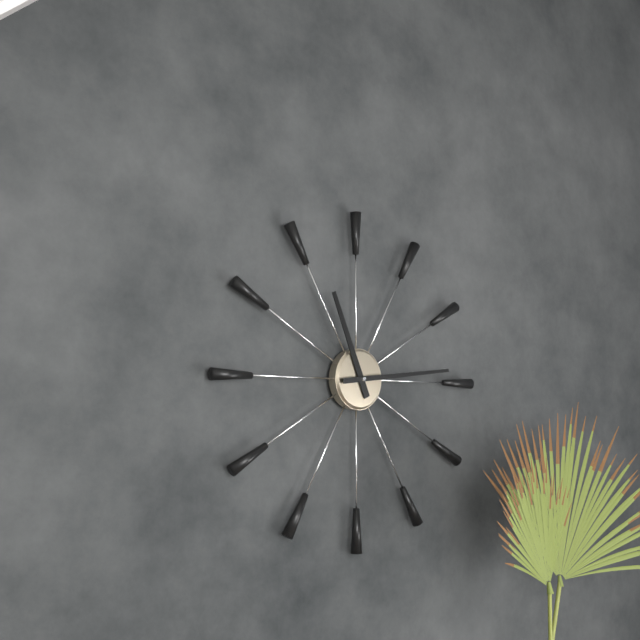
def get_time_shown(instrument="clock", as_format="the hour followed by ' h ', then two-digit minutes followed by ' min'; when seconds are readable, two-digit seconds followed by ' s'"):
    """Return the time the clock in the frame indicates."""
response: 11 h 14 min
